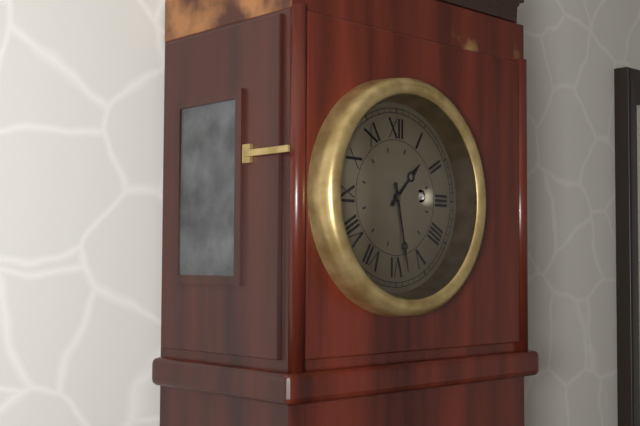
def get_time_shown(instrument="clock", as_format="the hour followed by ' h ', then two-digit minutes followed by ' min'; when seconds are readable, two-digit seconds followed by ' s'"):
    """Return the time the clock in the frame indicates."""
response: 1 h 28 min
